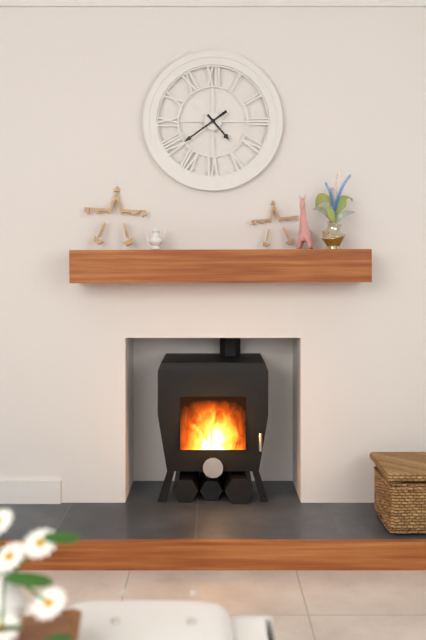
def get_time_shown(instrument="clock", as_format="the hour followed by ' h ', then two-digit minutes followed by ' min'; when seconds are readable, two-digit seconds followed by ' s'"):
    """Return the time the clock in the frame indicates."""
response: 4 h 39 min
